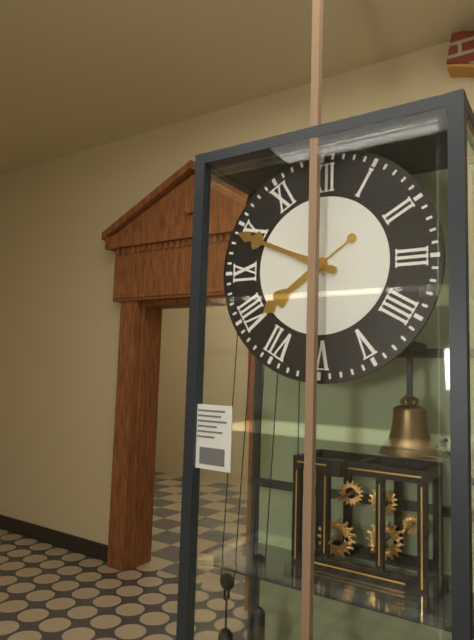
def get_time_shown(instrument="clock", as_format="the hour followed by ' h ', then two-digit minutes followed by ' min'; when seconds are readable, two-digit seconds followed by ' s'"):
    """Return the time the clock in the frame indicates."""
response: 7 h 49 min
